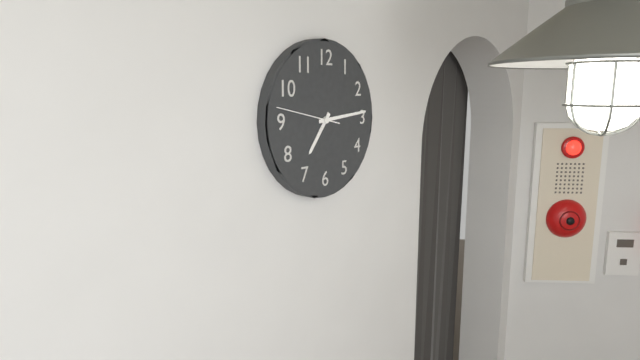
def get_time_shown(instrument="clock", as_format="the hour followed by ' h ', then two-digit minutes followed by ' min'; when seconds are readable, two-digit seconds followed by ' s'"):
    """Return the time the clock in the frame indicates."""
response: 7 h 14 min 47 s
